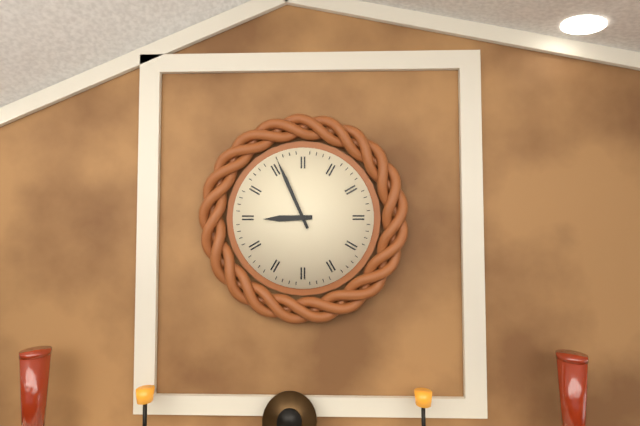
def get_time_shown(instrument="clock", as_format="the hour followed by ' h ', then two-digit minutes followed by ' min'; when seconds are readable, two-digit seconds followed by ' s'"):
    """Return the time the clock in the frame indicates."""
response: 8 h 56 min
